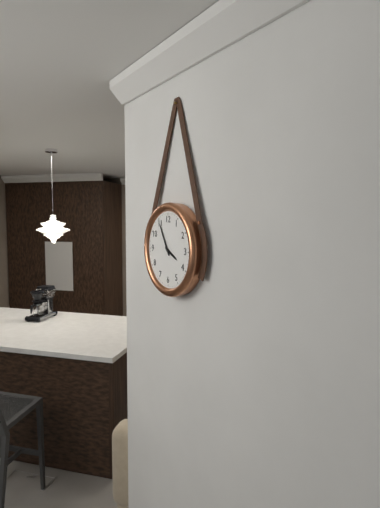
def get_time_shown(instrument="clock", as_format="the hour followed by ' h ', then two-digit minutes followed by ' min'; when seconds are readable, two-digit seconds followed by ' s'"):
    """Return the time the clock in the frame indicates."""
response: 3 h 55 min
